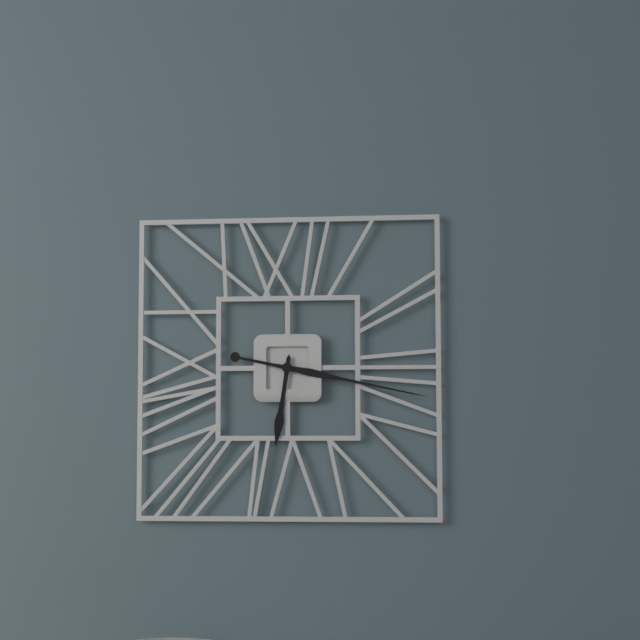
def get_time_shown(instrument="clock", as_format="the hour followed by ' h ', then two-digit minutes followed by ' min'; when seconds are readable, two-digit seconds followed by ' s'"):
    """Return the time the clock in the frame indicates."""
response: 6 h 17 min
